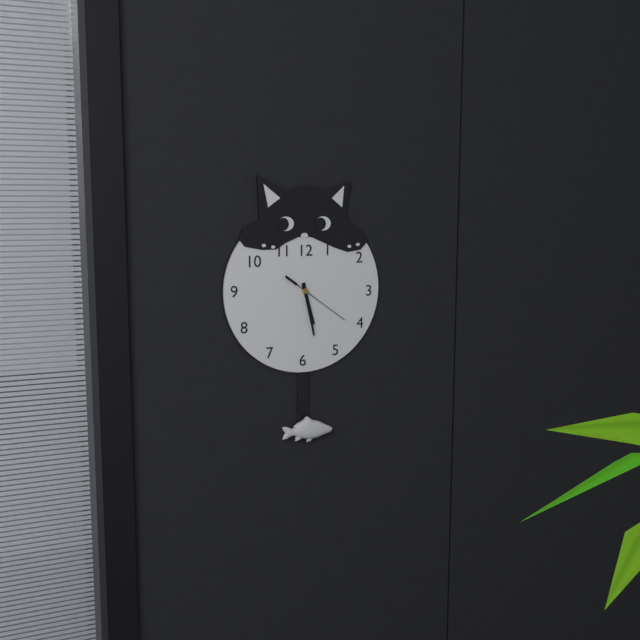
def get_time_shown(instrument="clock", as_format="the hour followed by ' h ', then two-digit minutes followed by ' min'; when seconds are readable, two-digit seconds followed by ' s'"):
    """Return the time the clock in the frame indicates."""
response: 5 h 28 min 21 s
